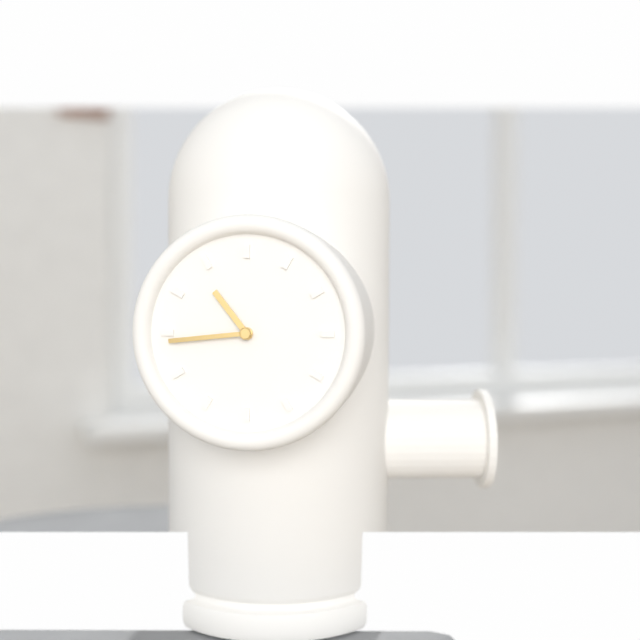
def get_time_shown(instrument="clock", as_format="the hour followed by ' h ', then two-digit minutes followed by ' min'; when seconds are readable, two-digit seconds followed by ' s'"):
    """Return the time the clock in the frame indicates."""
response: 10 h 44 min
